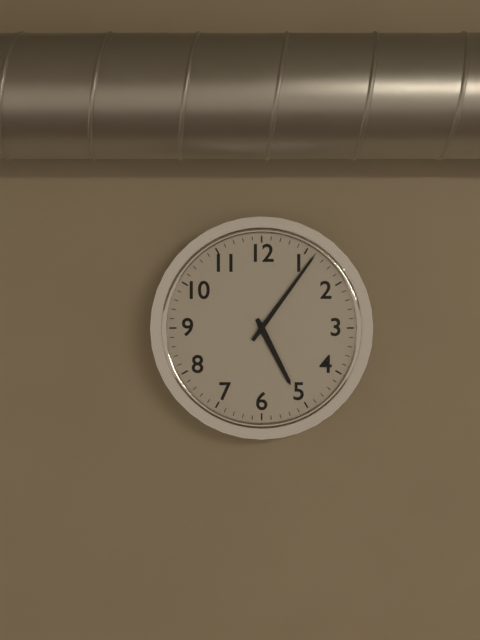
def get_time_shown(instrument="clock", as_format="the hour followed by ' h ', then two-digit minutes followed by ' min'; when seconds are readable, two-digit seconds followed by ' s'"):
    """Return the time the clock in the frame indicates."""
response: 5 h 06 min
